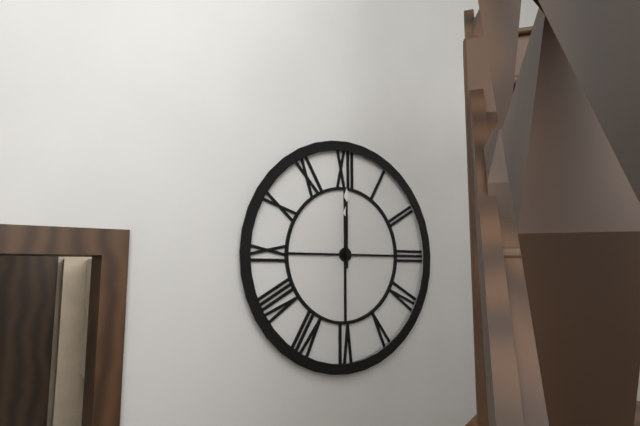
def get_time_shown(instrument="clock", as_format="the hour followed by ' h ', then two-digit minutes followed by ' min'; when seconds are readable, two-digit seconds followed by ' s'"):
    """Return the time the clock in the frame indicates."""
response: 12 h 00 min
